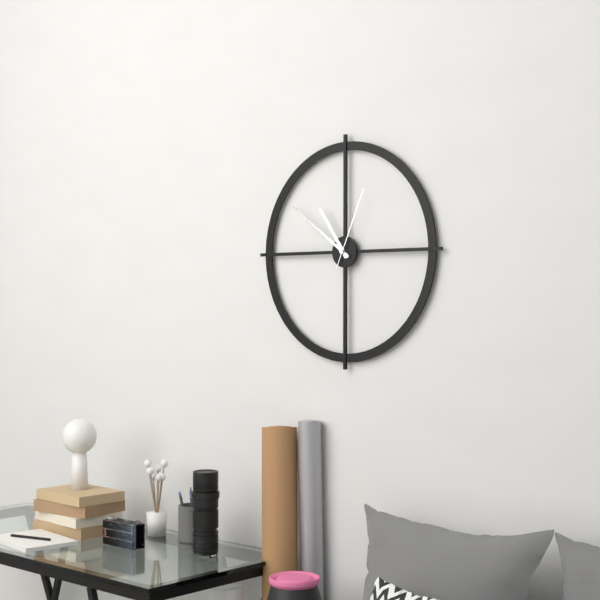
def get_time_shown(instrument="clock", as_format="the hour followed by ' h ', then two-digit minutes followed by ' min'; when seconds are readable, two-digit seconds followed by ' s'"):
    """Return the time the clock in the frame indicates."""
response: 10 h 51 min 04 s
